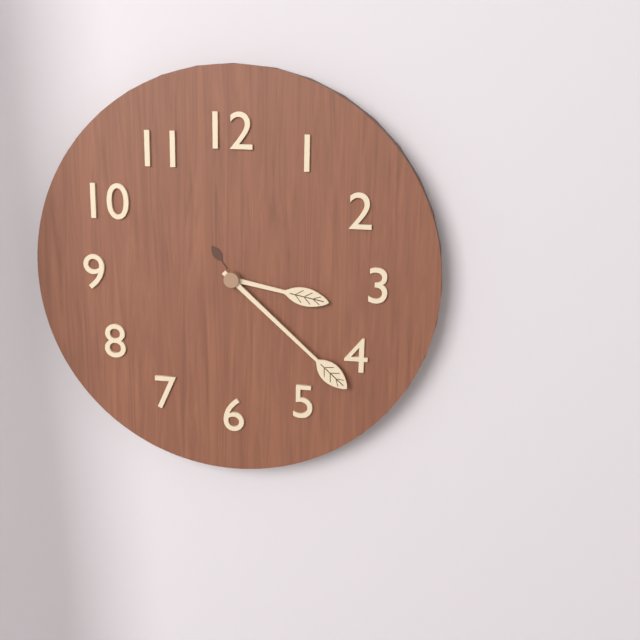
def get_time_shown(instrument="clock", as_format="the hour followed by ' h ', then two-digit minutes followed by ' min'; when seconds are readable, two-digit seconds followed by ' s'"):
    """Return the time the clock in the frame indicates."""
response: 3 h 22 min
